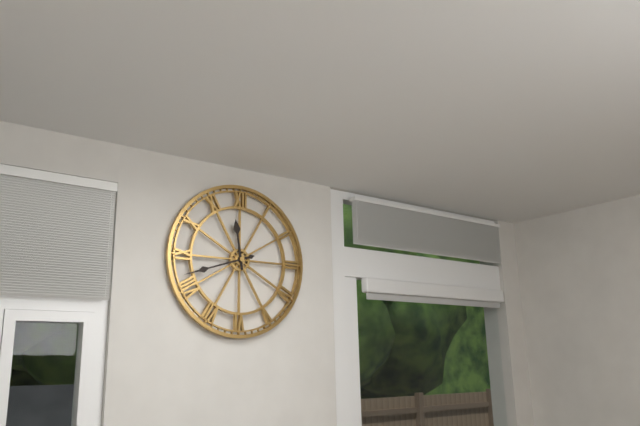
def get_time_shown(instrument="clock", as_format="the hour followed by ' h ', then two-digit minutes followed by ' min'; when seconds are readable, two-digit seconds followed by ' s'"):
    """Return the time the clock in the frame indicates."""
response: 11 h 42 min
